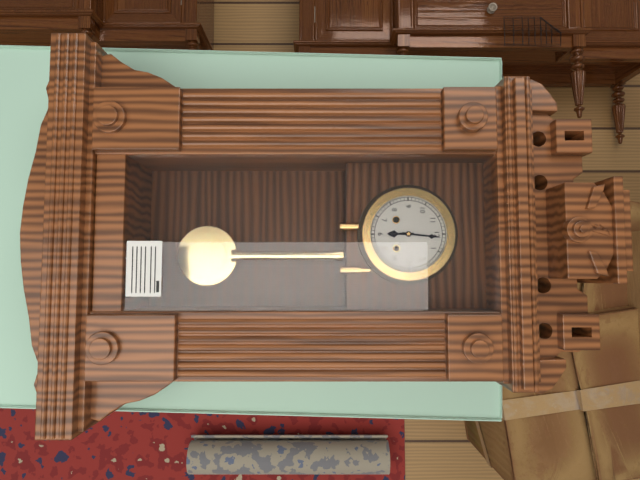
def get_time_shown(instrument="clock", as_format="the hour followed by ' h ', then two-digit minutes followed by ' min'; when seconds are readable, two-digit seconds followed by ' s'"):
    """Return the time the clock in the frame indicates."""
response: 6 h 01 min
